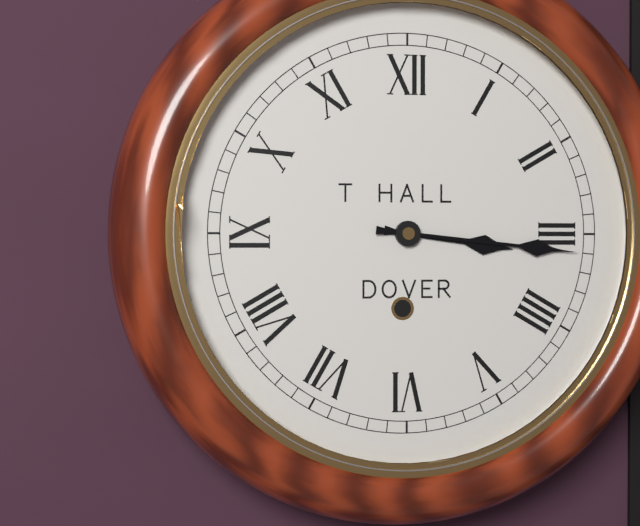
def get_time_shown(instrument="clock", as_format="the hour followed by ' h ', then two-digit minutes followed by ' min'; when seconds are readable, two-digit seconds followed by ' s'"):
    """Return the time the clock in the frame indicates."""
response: 3 h 16 min
